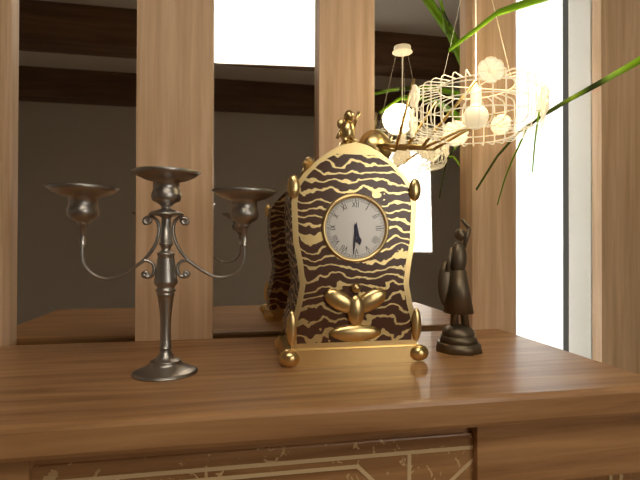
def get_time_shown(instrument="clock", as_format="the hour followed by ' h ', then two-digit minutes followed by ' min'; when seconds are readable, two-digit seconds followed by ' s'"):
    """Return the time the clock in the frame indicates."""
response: 5 h 31 min
